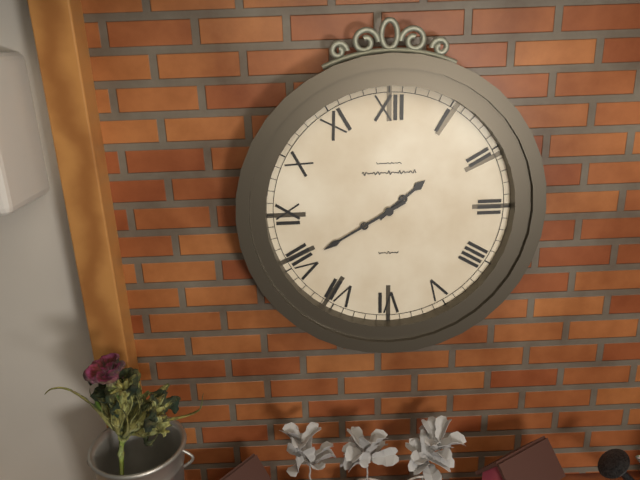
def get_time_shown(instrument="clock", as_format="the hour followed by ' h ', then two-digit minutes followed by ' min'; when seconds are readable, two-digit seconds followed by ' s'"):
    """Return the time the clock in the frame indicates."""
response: 1 h 40 min
